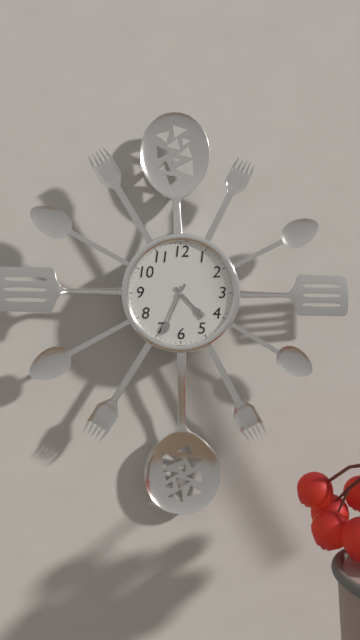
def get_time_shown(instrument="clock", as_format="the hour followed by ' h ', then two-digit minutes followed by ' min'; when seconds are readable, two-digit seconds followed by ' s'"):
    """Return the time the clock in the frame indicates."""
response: 4 h 34 min
